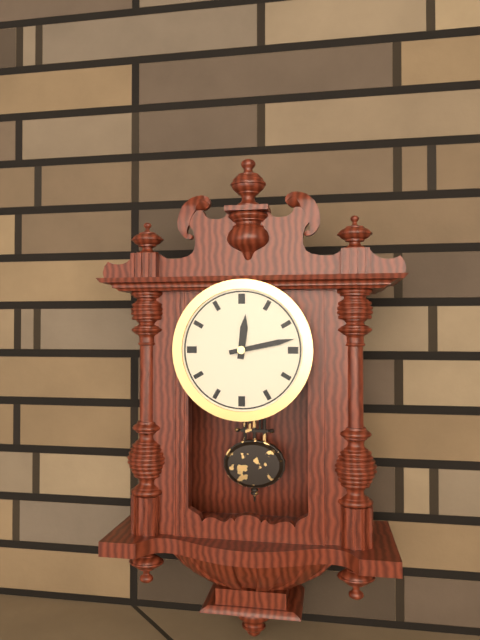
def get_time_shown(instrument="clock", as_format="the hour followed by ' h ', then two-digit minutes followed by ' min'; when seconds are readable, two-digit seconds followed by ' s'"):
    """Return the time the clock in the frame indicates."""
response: 12 h 13 min
